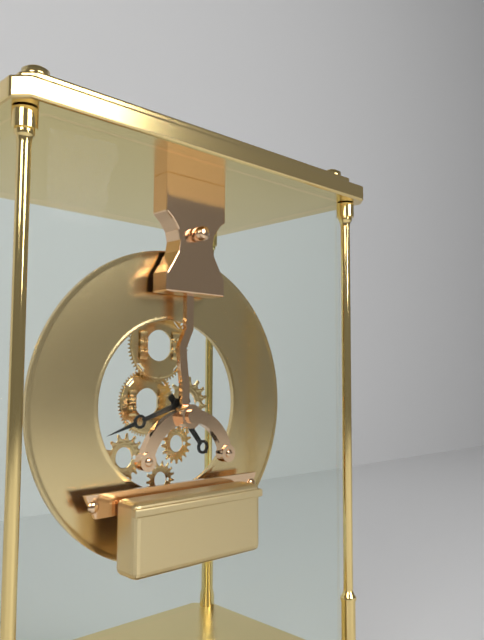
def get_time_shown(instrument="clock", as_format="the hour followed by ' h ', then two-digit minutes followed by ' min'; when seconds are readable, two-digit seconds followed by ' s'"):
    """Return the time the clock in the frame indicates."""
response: 4 h 42 min
